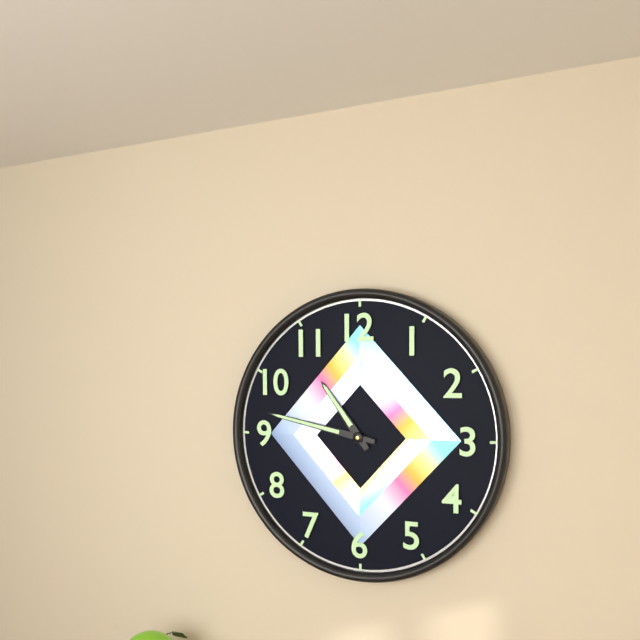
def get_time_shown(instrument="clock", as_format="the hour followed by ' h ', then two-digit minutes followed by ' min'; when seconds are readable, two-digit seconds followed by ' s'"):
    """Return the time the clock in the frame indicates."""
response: 10 h 47 min
